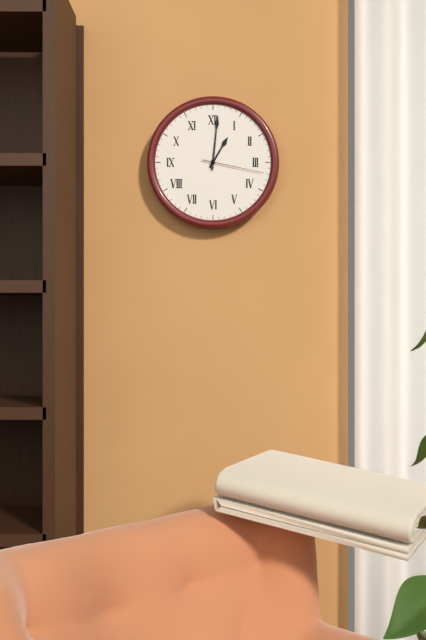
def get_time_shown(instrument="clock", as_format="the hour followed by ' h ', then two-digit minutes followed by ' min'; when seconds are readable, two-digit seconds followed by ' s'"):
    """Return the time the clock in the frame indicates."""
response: 1 h 01 min 17 s
